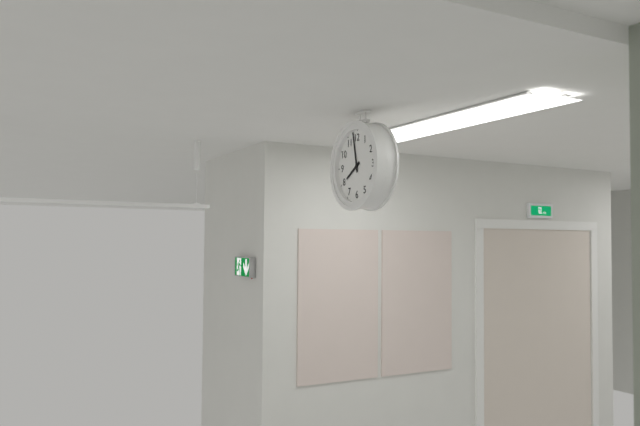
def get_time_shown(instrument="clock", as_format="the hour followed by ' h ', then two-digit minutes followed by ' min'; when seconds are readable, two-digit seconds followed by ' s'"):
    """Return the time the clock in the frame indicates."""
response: 7 h 58 min
